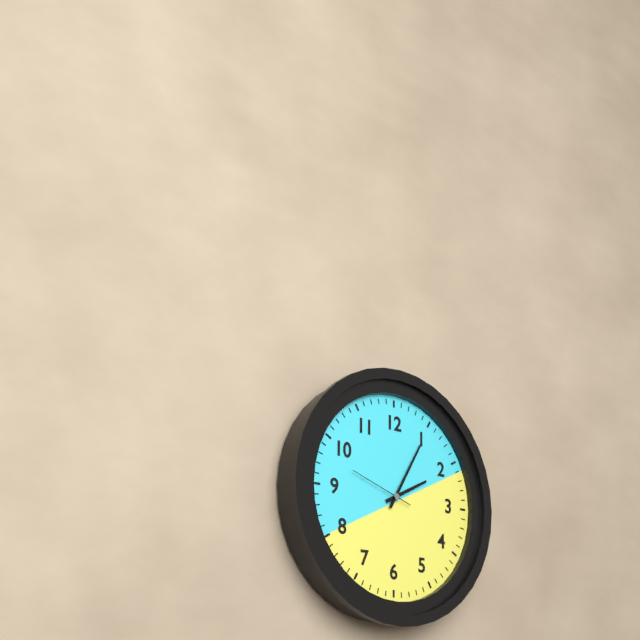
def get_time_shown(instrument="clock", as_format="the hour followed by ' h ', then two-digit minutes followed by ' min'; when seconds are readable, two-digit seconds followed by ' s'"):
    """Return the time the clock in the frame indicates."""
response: 2 h 05 min 48 s
